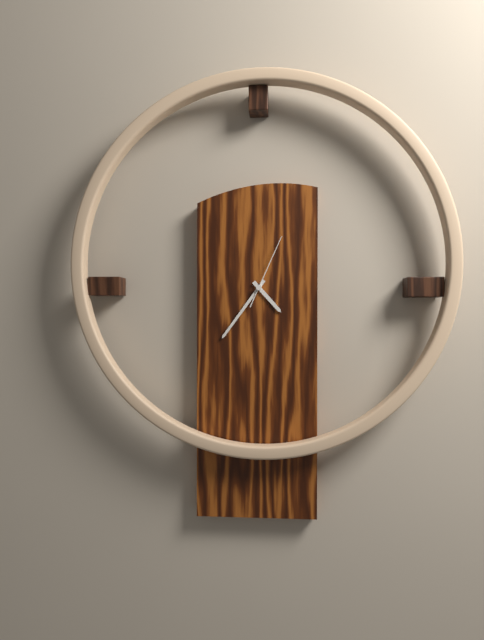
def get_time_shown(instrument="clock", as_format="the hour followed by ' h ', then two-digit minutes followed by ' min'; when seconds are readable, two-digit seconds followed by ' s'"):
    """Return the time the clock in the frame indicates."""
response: 4 h 36 min 04 s
